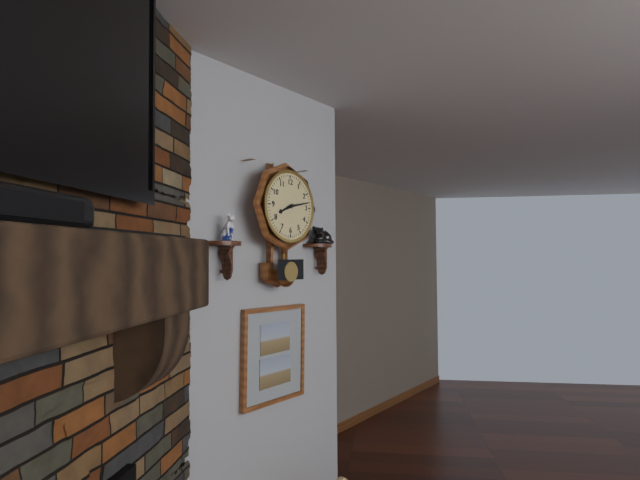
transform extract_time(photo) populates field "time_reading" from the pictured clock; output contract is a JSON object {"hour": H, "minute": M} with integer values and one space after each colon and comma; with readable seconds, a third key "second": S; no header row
{"hour": 8, "minute": 13}
